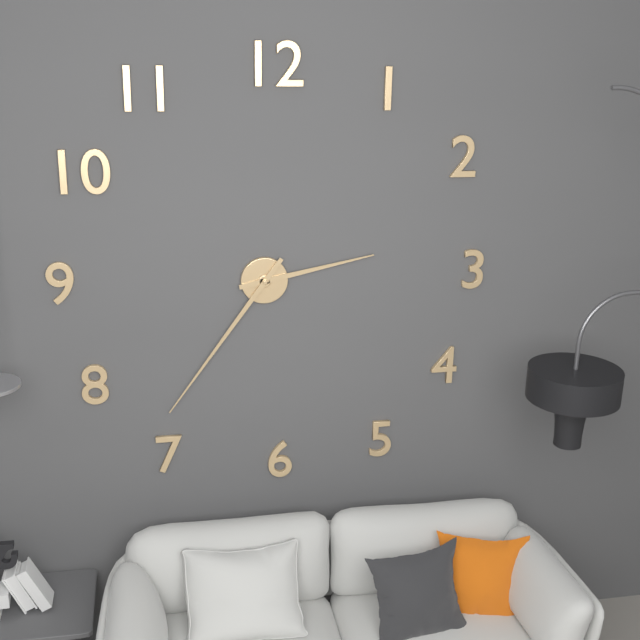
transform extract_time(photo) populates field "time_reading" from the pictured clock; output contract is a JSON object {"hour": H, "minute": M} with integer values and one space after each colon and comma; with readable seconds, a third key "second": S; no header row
{"hour": 2, "minute": 36}
